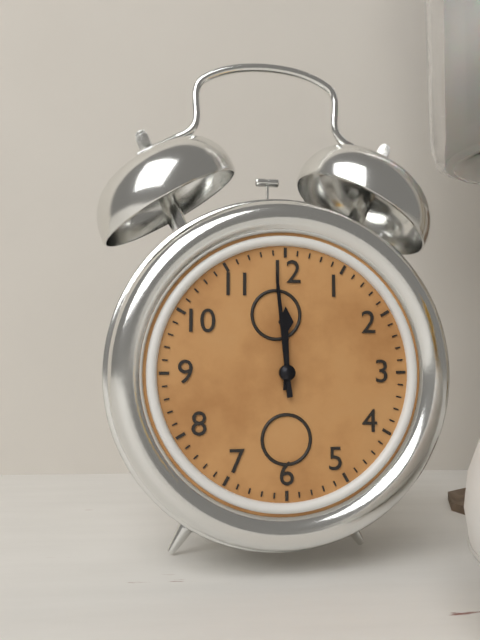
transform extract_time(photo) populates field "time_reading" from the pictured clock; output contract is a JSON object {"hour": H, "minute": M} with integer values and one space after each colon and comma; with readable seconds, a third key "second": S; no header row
{"hour": 11, "minute": 59}
